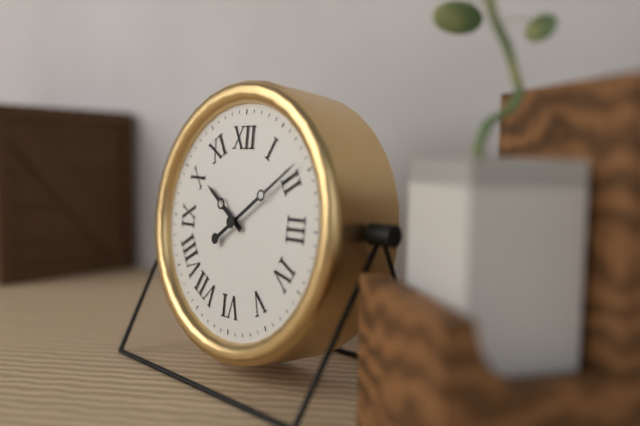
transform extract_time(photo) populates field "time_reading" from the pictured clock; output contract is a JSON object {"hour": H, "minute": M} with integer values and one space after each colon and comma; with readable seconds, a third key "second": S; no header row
{"hour": 10, "minute": 9}
